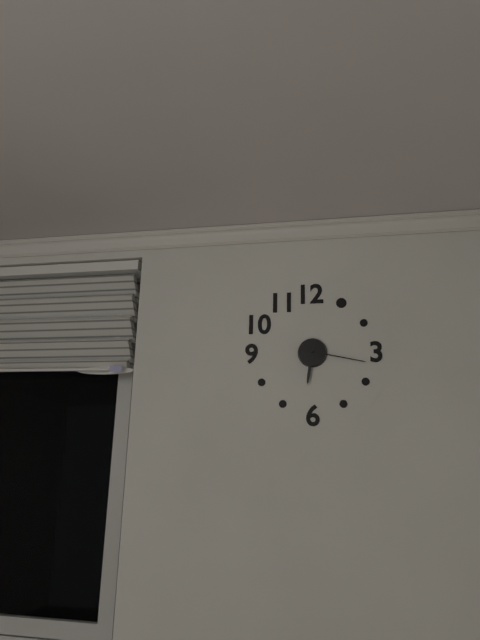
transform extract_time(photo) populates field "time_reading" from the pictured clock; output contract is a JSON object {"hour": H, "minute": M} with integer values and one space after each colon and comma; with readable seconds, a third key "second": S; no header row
{"hour": 6, "minute": 17}
